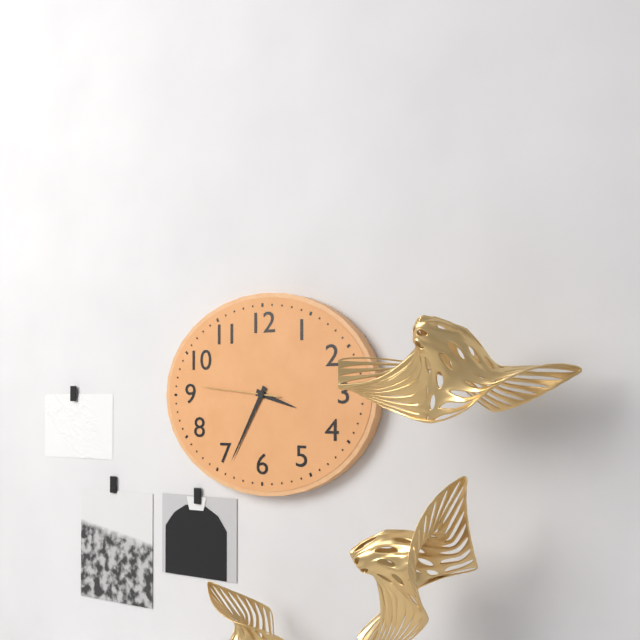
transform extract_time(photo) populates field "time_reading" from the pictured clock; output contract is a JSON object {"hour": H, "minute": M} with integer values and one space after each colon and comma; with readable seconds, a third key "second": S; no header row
{"hour": 3, "minute": 35, "second": 46}
